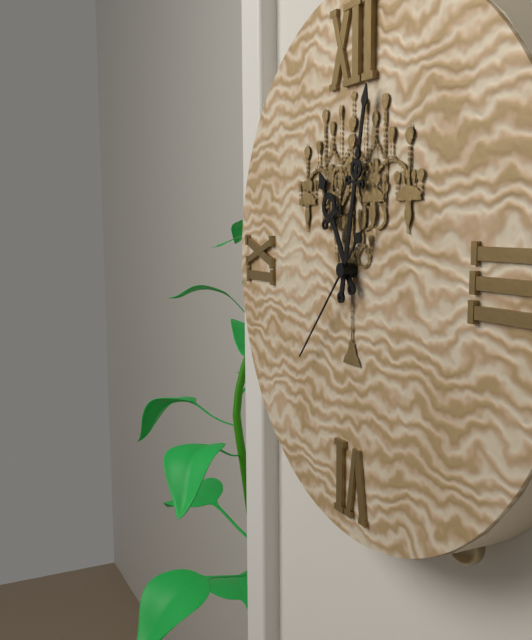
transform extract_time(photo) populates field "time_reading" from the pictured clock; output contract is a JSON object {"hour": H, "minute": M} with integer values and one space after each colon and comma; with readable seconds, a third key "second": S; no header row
{"hour": 11, "minute": 2, "second": 37}
